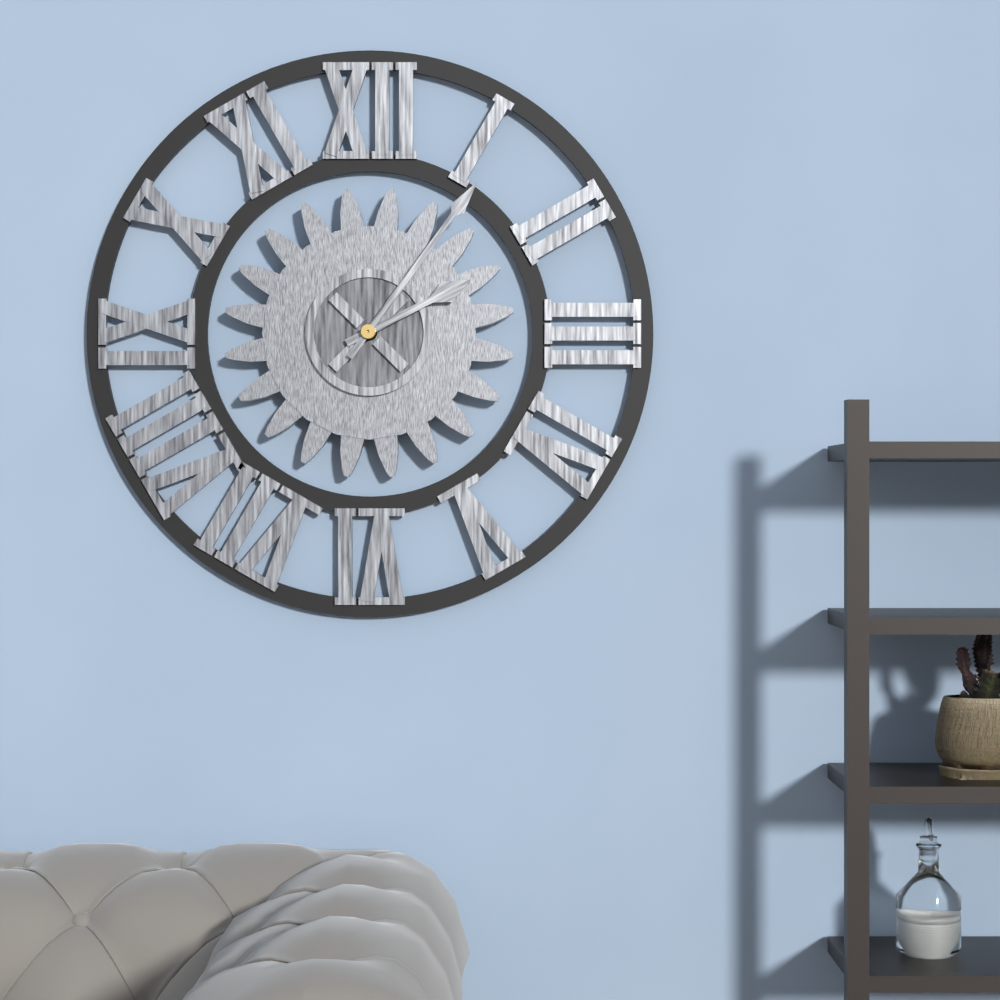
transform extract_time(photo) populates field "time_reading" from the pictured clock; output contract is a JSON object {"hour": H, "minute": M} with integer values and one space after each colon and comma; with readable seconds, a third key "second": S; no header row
{"hour": 2, "minute": 6}
